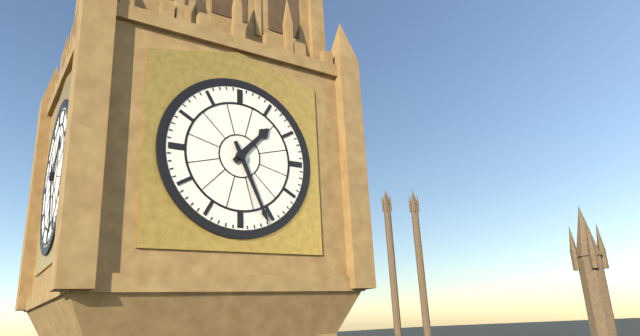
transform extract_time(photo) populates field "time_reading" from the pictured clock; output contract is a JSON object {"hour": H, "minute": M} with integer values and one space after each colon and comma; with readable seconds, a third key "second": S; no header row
{"hour": 1, "minute": 26}
